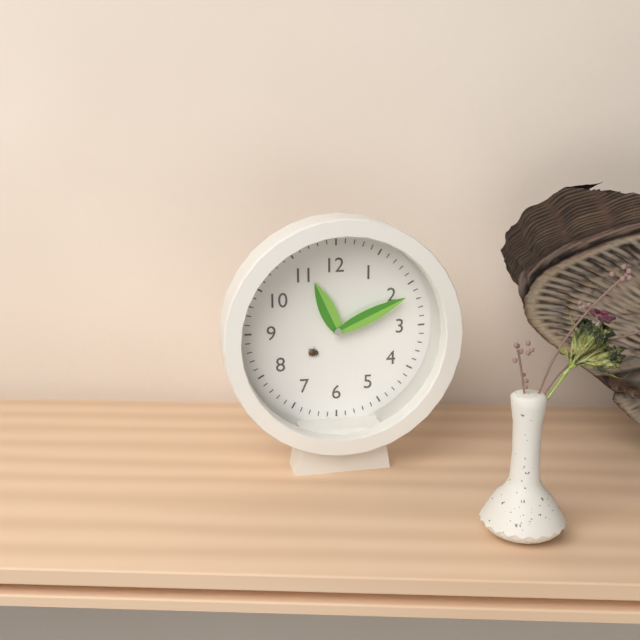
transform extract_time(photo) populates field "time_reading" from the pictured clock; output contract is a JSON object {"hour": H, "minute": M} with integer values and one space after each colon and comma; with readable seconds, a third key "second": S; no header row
{"hour": 11, "minute": 11}
